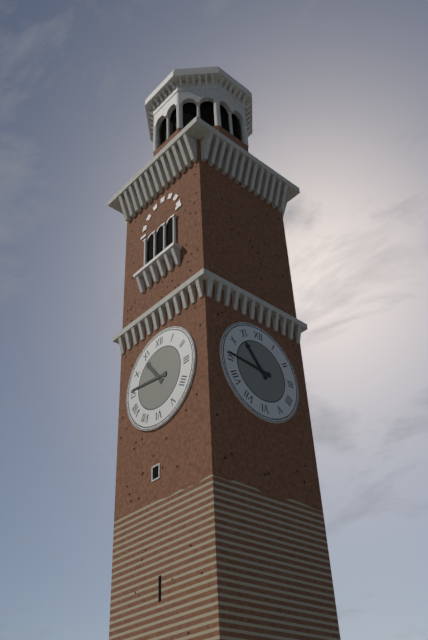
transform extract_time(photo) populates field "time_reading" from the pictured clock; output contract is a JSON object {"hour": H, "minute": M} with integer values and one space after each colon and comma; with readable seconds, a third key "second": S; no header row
{"hour": 10, "minute": 46}
